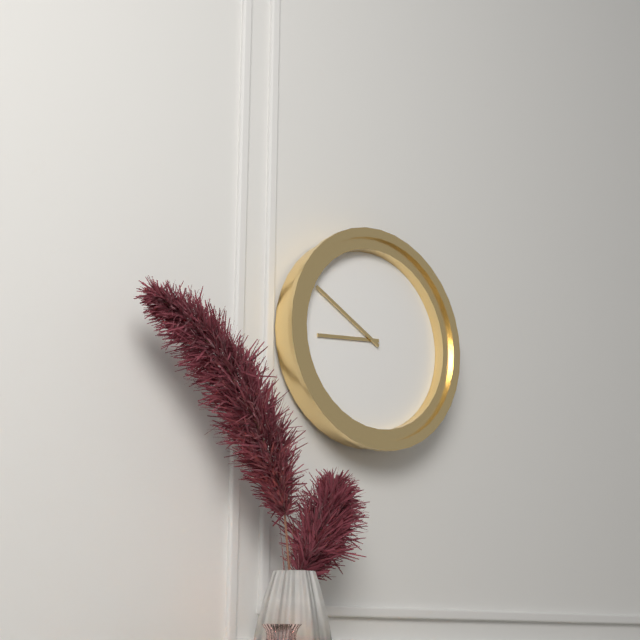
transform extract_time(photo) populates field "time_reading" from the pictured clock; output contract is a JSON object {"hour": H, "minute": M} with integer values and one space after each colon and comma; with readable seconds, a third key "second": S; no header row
{"hour": 8, "minute": 50}
